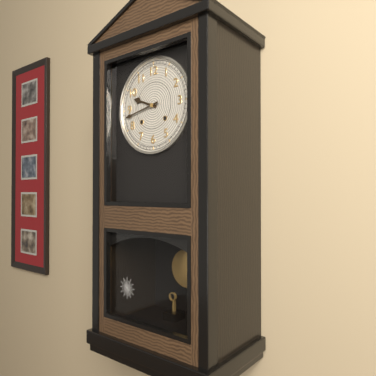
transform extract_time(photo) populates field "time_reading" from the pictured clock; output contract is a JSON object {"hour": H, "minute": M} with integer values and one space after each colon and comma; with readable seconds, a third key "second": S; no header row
{"hour": 9, "minute": 43}
